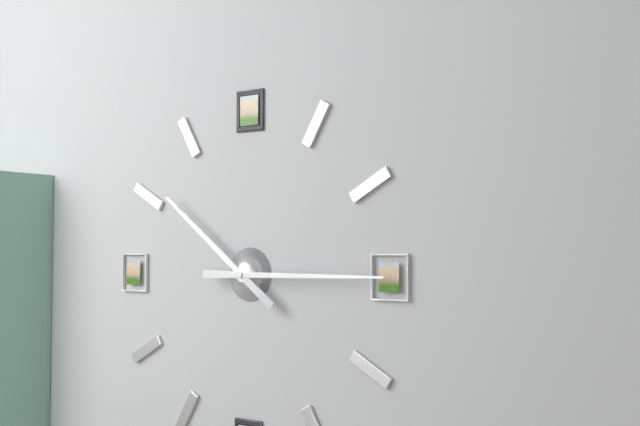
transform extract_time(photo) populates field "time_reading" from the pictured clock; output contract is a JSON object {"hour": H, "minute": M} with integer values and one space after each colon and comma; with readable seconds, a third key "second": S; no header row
{"hour": 10, "minute": 15}
